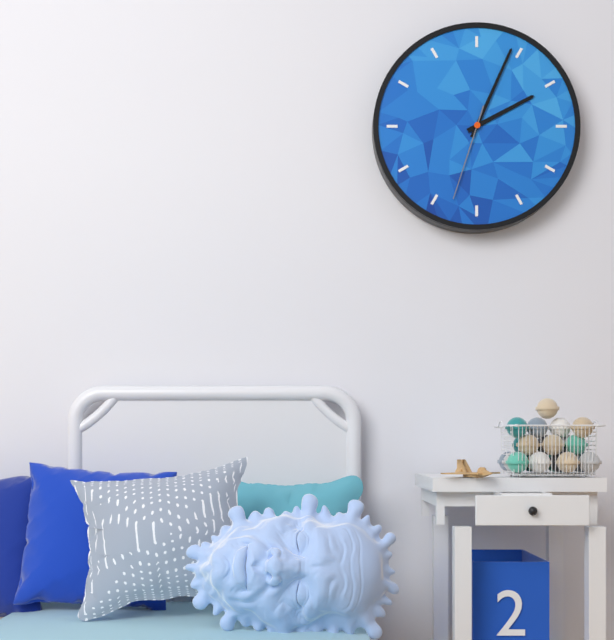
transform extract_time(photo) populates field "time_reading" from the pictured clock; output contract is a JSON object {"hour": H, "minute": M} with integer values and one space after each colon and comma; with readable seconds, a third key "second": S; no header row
{"hour": 2, "minute": 4, "second": 33}
